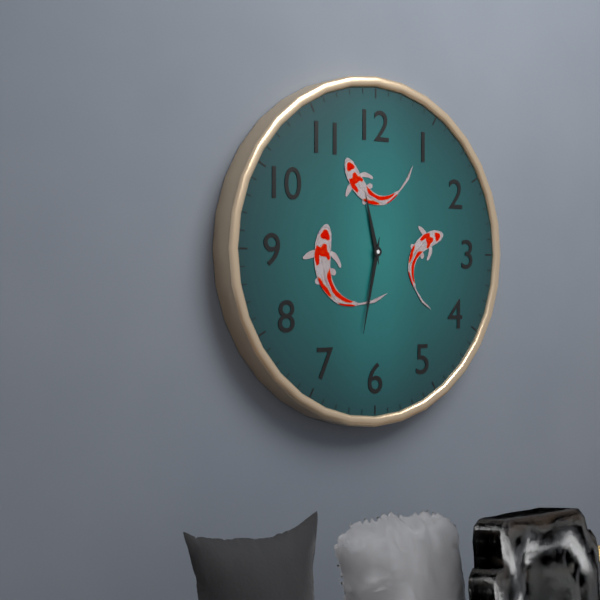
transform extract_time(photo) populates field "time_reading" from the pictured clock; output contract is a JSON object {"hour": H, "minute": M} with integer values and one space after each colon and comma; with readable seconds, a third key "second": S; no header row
{"hour": 11, "minute": 32}
